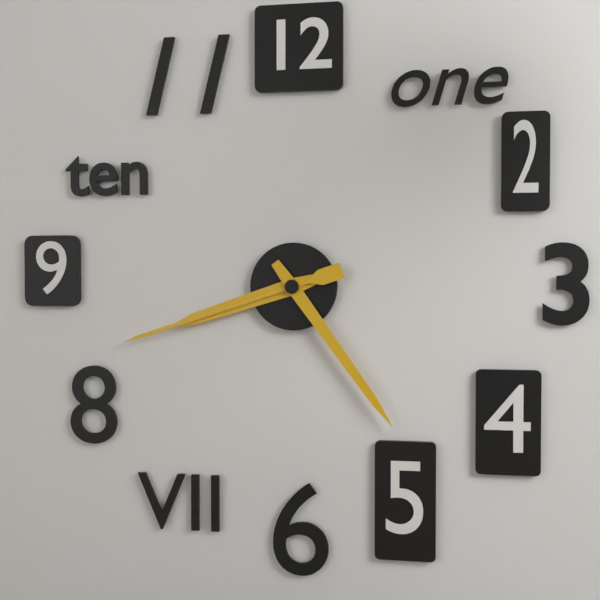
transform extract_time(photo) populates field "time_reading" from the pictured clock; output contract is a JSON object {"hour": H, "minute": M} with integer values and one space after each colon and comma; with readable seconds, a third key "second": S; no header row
{"hour": 8, "minute": 24, "second": 42}
